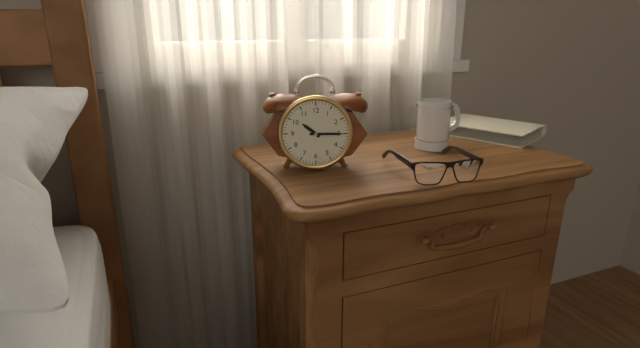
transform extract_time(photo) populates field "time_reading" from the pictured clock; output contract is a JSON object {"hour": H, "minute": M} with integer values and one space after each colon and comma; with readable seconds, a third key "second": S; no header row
{"hour": 10, "minute": 15}
